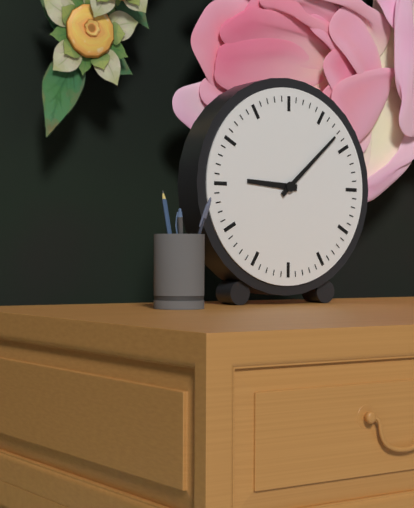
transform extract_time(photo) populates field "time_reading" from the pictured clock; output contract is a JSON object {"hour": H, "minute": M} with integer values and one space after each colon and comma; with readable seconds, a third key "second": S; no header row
{"hour": 9, "minute": 8}
